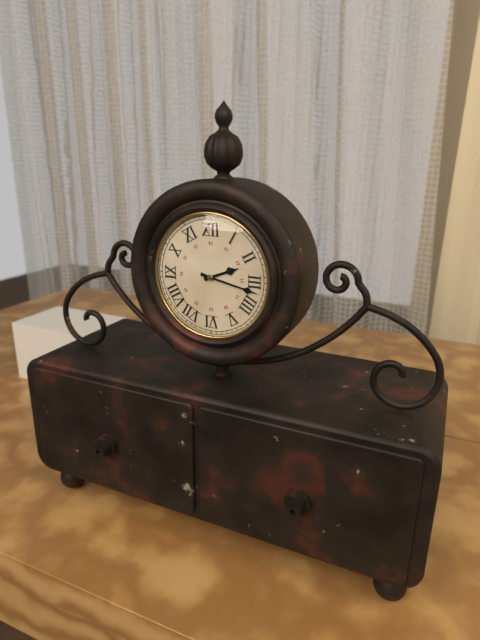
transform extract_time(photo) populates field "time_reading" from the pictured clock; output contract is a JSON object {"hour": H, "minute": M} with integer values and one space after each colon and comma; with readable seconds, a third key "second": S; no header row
{"hour": 2, "minute": 17}
